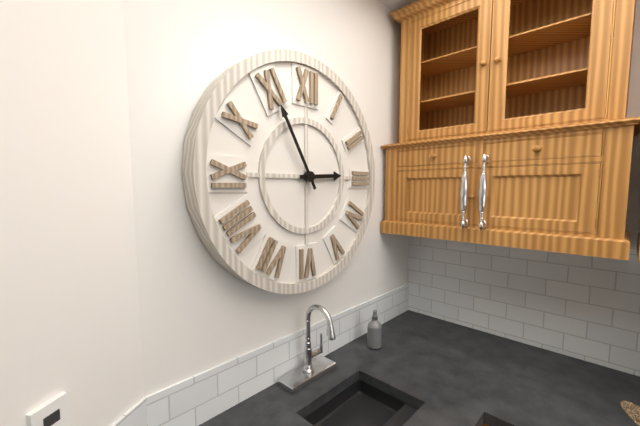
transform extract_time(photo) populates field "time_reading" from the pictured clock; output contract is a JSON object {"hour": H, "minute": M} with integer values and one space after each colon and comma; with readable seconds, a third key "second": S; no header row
{"hour": 2, "minute": 55}
